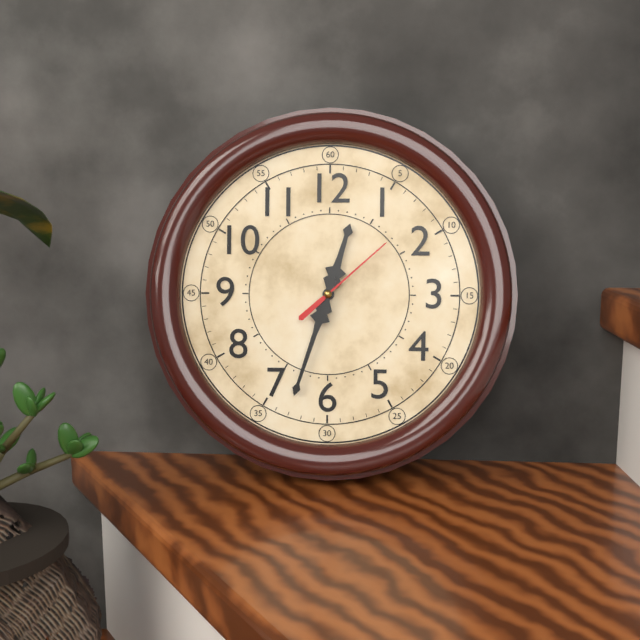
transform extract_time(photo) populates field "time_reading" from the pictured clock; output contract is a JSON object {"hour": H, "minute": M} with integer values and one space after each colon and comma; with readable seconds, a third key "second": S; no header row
{"hour": 12, "minute": 33, "second": 8}
